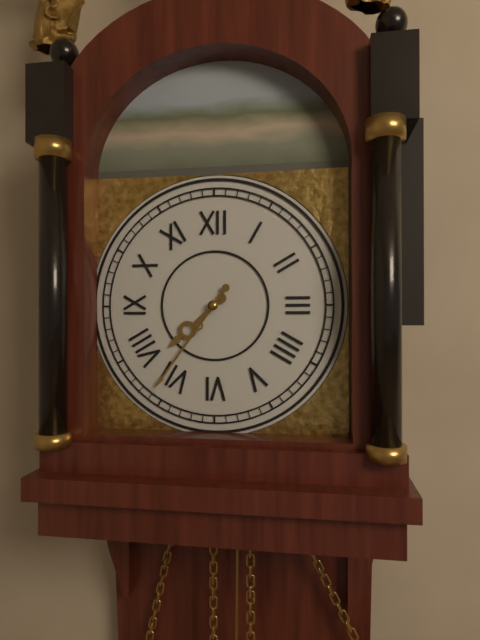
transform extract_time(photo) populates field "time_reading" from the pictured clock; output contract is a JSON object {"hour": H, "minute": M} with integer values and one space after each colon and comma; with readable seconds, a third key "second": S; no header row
{"hour": 7, "minute": 36}
